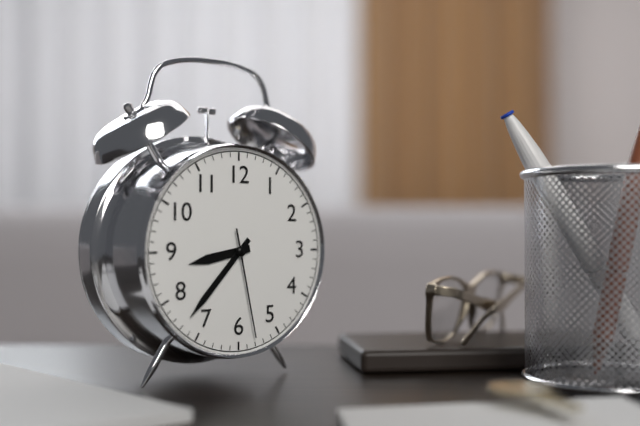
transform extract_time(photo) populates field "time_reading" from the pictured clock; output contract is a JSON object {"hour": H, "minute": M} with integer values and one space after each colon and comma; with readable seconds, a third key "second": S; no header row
{"hour": 8, "minute": 37, "second": 28}
